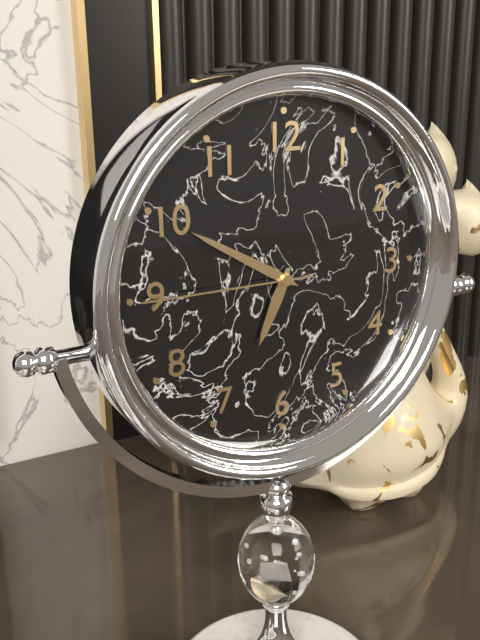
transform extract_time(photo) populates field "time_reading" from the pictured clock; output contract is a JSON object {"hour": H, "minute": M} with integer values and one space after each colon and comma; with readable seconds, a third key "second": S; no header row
{"hour": 6, "minute": 50, "second": 45}
